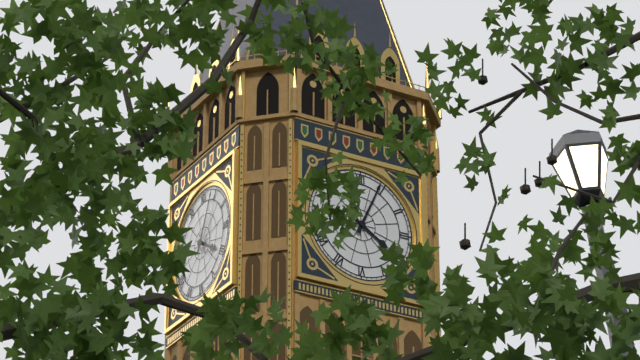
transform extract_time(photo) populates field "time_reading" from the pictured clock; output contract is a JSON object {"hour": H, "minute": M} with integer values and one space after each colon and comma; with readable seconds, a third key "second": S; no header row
{"hour": 4, "minute": 4}
